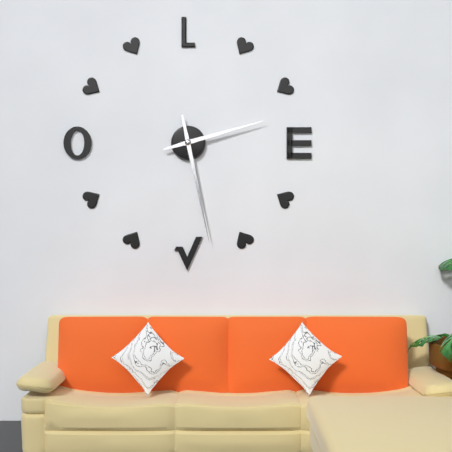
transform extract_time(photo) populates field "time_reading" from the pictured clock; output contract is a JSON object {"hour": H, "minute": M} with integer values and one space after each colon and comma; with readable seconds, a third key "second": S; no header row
{"hour": 2, "minute": 28}
